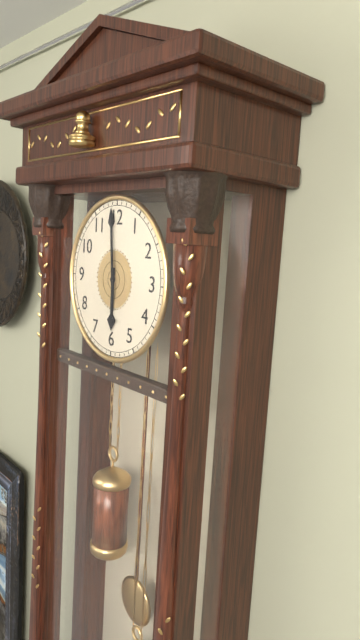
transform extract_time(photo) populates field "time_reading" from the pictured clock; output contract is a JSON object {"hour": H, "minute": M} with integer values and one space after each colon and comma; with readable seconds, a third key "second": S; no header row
{"hour": 5, "minute": 59}
